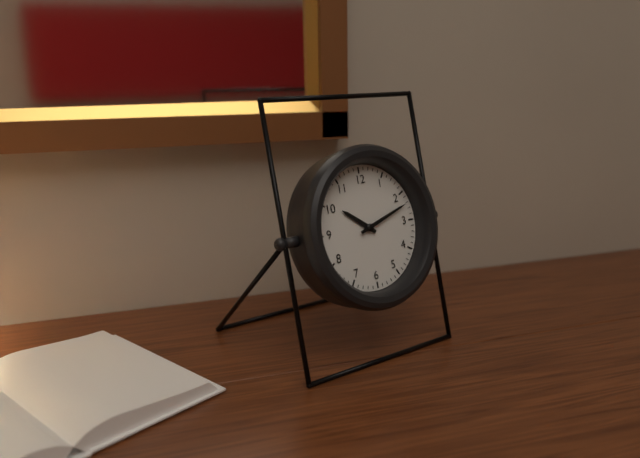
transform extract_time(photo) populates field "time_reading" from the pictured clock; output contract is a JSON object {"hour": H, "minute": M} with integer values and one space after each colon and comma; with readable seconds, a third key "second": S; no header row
{"hour": 10, "minute": 12}
